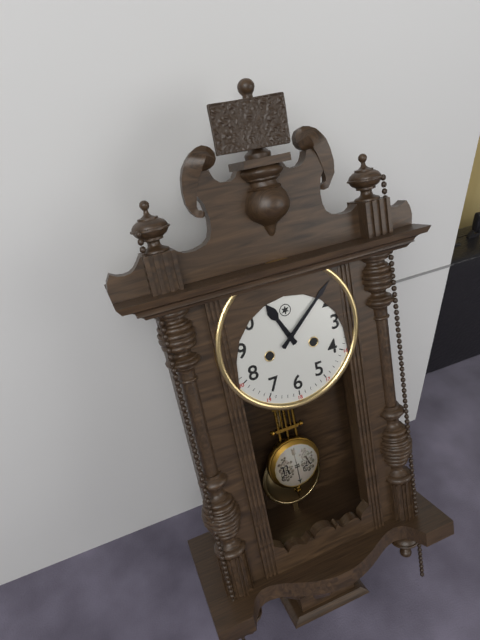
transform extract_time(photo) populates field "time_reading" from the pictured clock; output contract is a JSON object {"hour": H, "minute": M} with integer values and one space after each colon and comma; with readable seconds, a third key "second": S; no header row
{"hour": 11, "minute": 8}
